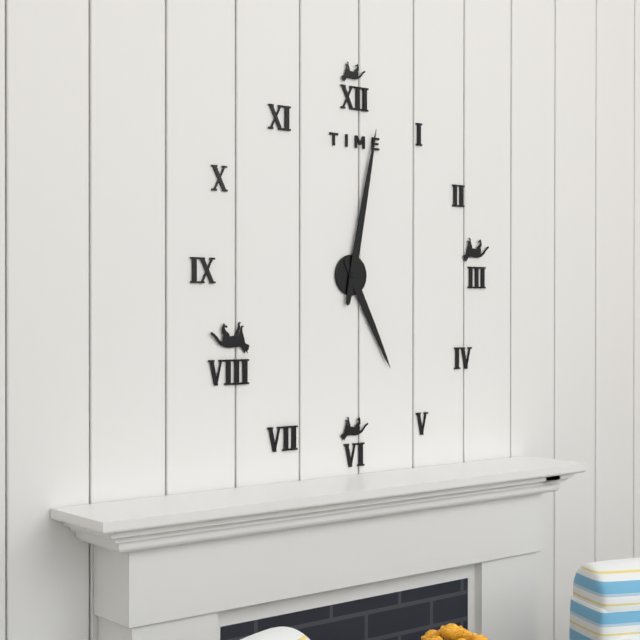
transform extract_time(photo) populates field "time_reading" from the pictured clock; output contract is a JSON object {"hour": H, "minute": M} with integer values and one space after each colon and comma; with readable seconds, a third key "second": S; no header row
{"hour": 5, "minute": 2}
